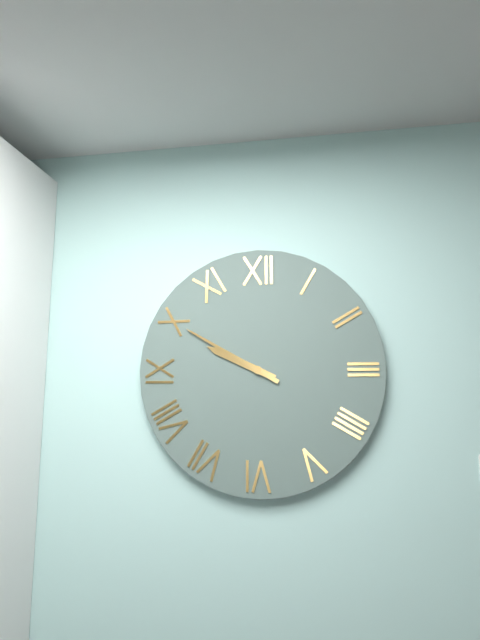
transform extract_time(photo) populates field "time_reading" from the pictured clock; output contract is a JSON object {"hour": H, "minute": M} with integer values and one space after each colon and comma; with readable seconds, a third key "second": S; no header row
{"hour": 9, "minute": 50}
